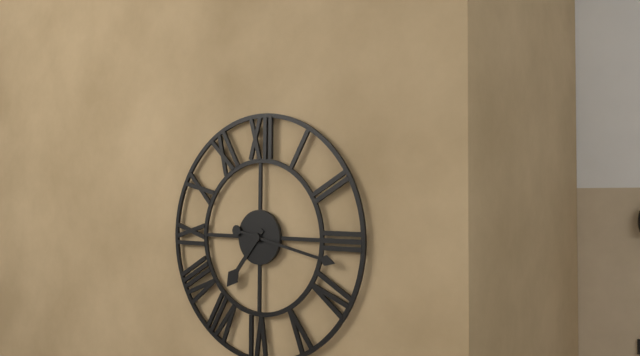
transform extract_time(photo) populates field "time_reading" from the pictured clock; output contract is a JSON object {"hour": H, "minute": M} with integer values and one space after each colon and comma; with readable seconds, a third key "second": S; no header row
{"hour": 7, "minute": 17}
